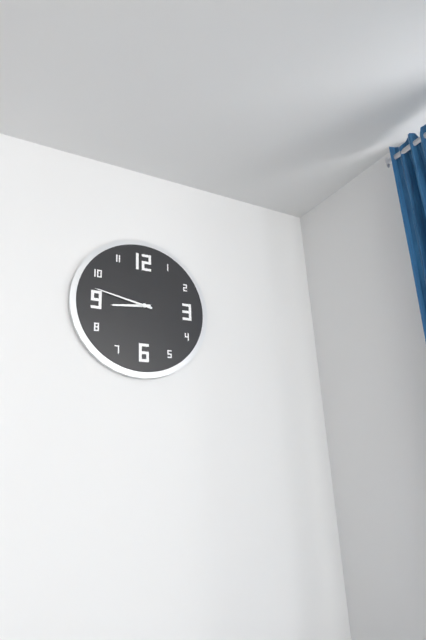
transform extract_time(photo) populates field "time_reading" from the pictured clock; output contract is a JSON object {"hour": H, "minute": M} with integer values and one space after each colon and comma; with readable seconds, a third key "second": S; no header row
{"hour": 8, "minute": 47}
